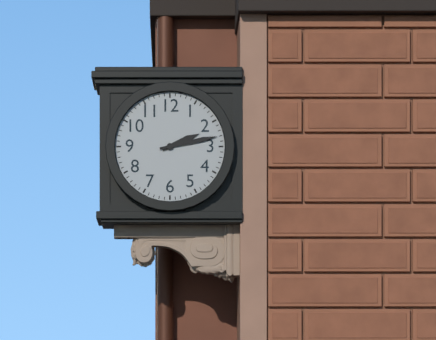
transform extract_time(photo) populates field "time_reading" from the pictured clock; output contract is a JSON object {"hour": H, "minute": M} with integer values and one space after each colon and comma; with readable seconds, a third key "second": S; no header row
{"hour": 2, "minute": 13}
